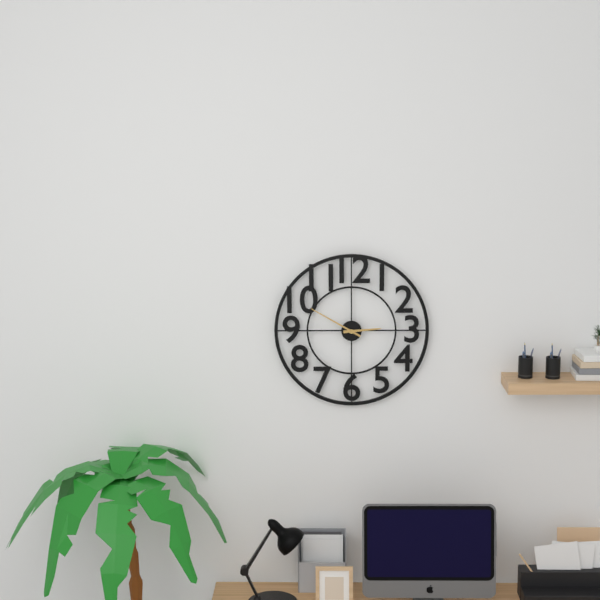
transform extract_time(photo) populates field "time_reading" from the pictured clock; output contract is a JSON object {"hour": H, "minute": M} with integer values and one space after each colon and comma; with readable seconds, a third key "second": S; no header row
{"hour": 2, "minute": 50}
